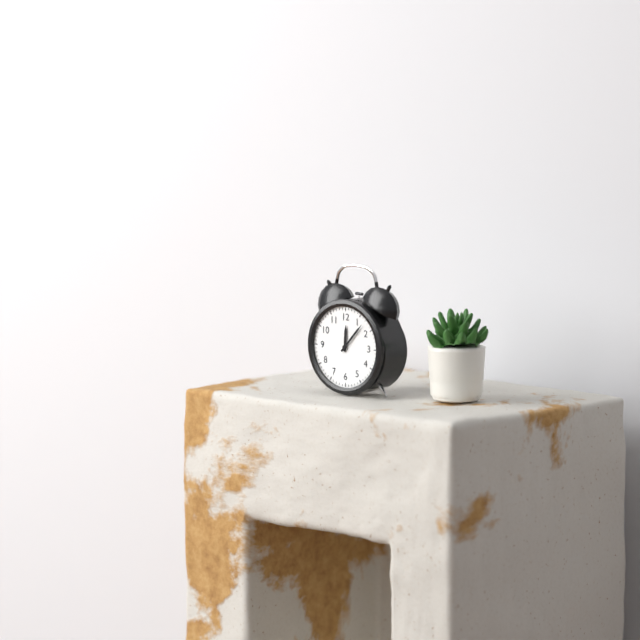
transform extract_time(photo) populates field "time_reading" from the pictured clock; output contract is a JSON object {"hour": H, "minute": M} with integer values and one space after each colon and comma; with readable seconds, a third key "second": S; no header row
{"hour": 12, "minute": 7}
